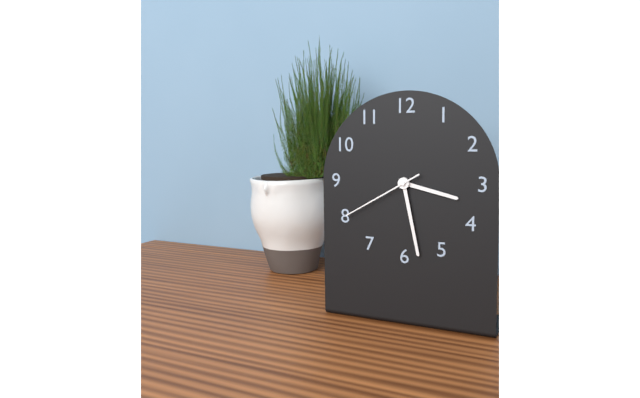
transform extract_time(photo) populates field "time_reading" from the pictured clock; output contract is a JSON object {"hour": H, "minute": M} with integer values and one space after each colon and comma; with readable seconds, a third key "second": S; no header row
{"hour": 3, "minute": 28, "second": 40}
